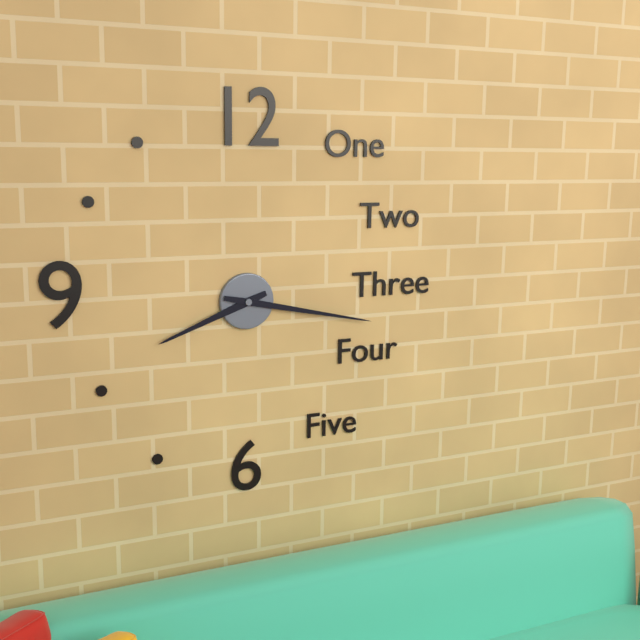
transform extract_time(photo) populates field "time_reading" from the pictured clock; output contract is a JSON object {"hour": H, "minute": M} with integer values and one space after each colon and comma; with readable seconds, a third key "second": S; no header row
{"hour": 8, "minute": 17}
